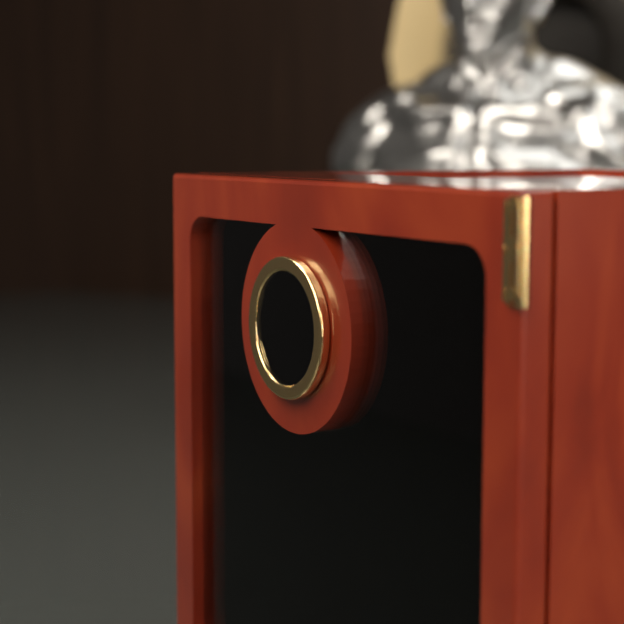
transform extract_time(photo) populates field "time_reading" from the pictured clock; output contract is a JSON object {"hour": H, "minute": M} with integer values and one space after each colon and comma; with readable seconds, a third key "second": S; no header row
{"hour": 12, "minute": 20}
